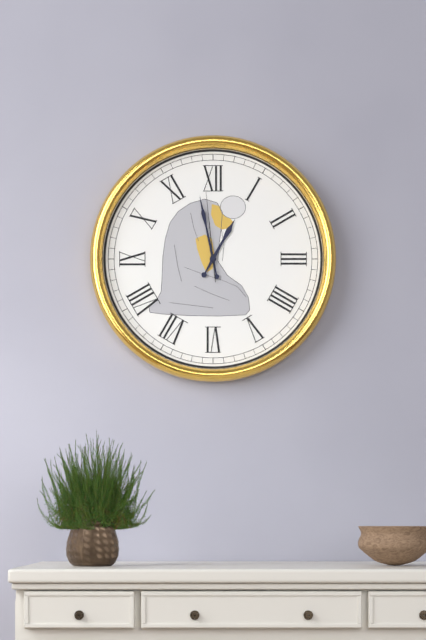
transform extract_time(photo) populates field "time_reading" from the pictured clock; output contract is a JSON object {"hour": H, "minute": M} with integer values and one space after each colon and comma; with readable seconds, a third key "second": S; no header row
{"hour": 12, "minute": 58, "second": 59}
